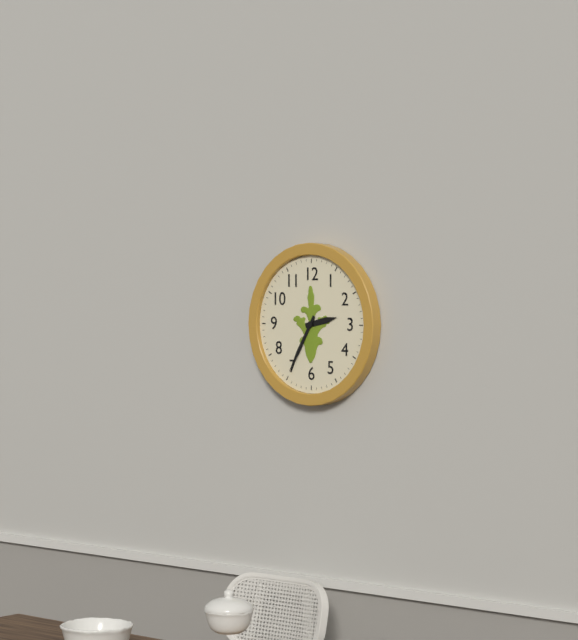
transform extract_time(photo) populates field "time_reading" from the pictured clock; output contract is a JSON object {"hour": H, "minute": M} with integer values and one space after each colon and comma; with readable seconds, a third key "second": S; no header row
{"hour": 2, "minute": 35}
